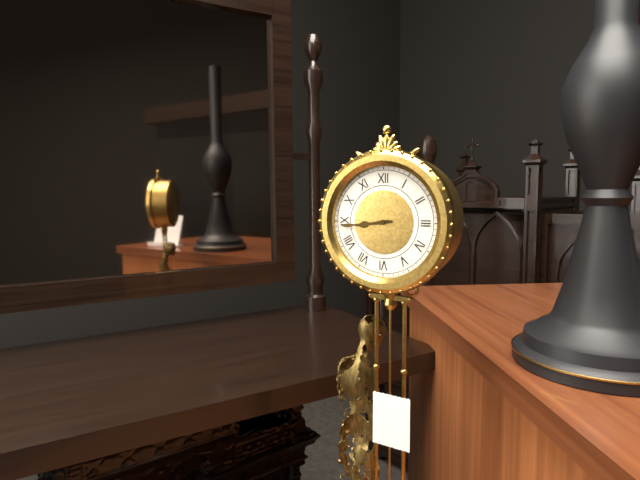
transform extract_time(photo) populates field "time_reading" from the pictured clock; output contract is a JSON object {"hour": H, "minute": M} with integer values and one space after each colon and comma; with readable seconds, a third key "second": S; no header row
{"hour": 8, "minute": 44}
